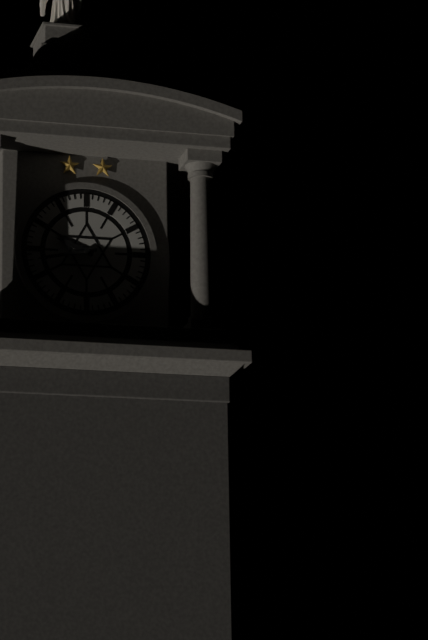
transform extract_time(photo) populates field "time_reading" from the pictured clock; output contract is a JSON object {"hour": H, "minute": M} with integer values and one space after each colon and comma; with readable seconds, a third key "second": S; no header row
{"hour": 9, "minute": 43}
